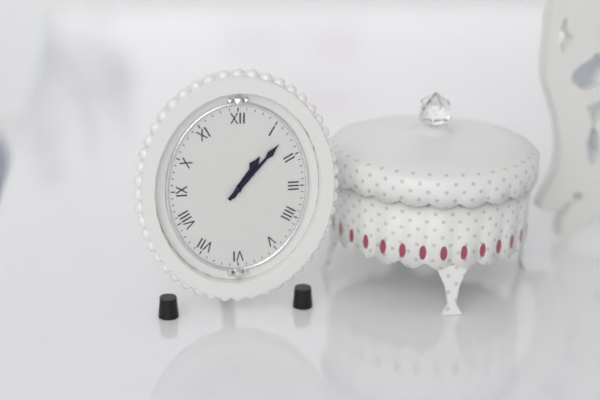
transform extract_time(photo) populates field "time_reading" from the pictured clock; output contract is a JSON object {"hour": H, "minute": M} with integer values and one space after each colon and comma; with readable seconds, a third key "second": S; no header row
{"hour": 1, "minute": 7}
